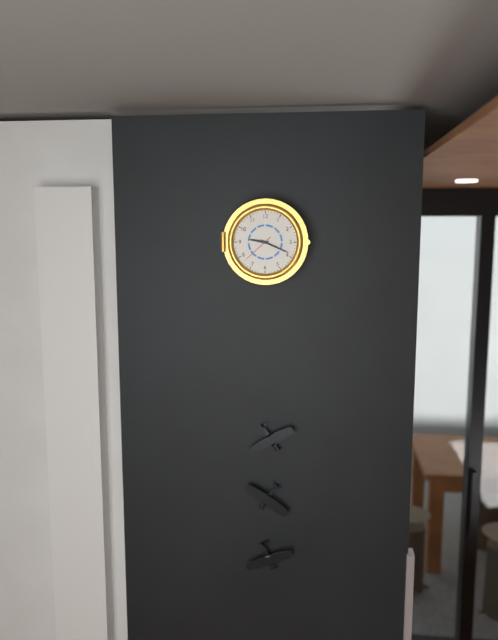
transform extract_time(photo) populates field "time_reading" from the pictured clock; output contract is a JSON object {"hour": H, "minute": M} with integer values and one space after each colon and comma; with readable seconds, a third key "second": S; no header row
{"hour": 9, "minute": 19}
